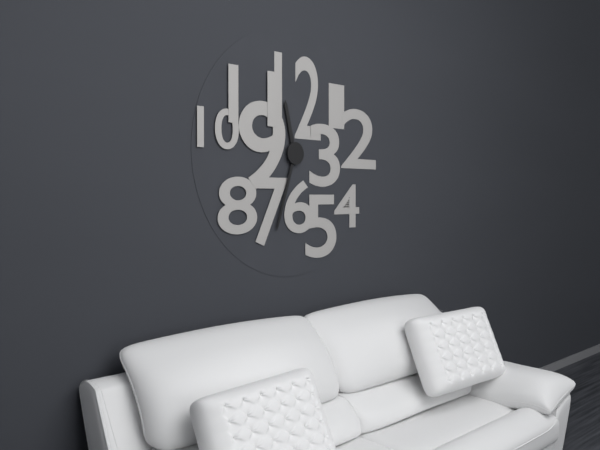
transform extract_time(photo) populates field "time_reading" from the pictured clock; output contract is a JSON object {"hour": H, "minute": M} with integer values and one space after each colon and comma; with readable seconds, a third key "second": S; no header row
{"hour": 11, "minute": 33}
